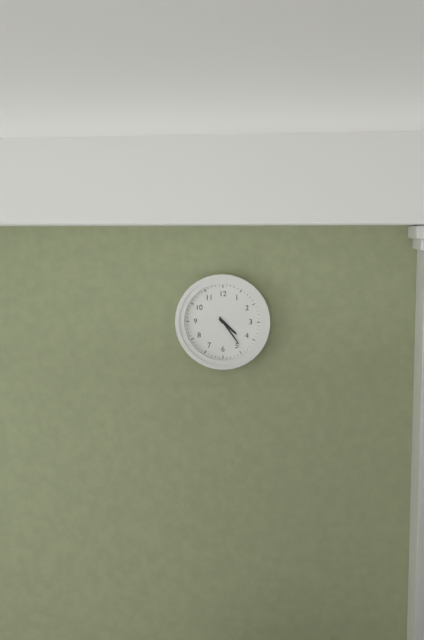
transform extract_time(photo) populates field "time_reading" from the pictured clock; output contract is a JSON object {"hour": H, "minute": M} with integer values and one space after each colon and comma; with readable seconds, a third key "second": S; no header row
{"hour": 4, "minute": 24}
